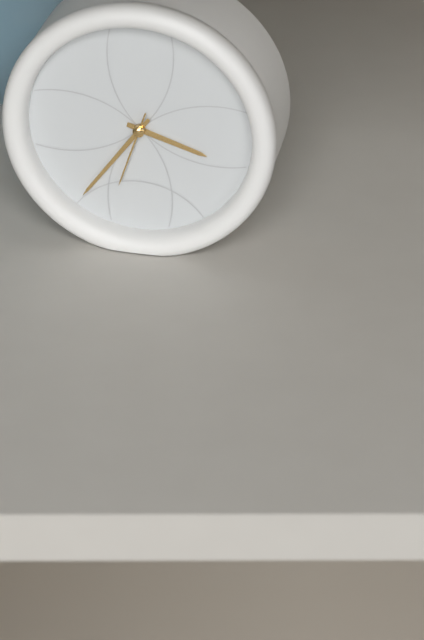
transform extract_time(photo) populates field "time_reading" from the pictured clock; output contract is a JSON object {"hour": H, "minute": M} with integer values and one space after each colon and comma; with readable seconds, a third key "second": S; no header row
{"hour": 3, "minute": 36, "second": 33}
